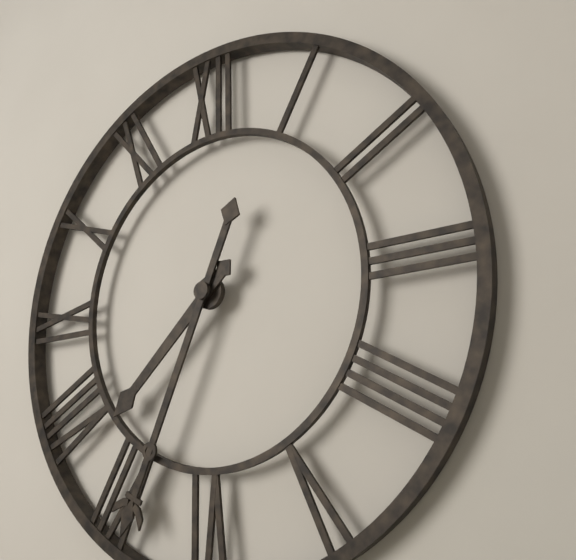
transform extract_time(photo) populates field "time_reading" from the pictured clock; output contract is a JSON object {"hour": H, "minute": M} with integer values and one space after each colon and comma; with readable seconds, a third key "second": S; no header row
{"hour": 7, "minute": 34}
